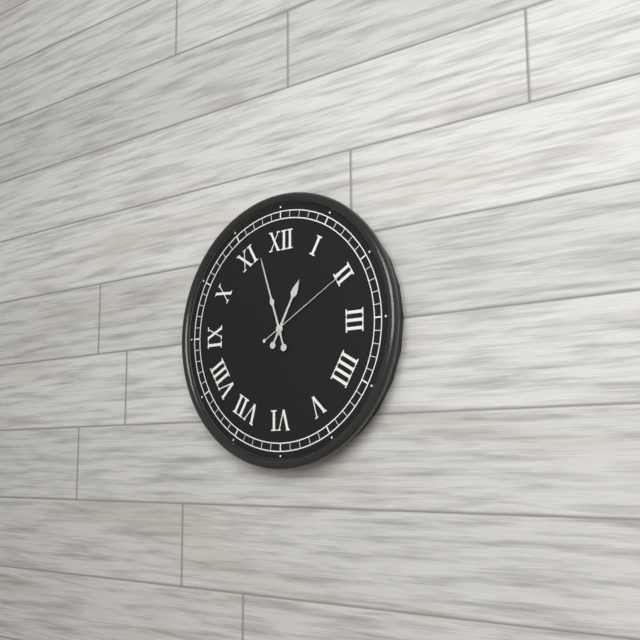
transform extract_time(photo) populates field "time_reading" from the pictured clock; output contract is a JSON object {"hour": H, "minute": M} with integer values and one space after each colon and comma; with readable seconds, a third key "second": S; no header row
{"hour": 12, "minute": 57, "second": 10}
